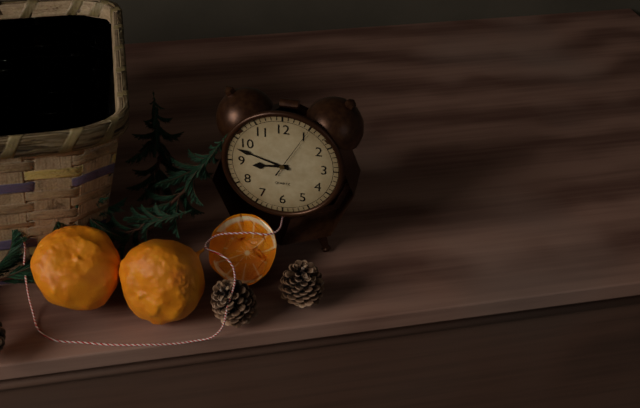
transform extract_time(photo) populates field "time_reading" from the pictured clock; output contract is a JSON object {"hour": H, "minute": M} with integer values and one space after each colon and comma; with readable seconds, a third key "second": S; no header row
{"hour": 8, "minute": 48, "second": 5}
